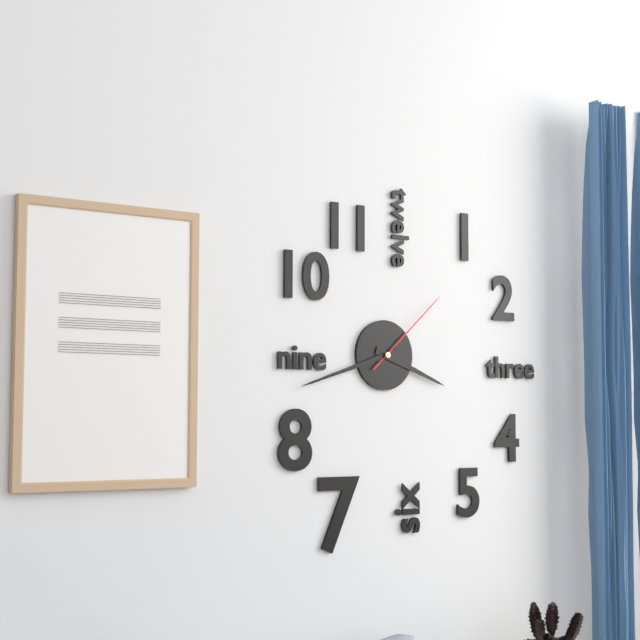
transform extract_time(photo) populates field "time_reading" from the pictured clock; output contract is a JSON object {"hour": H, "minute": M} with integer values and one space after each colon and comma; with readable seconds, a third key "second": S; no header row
{"hour": 3, "minute": 42, "second": 8}
